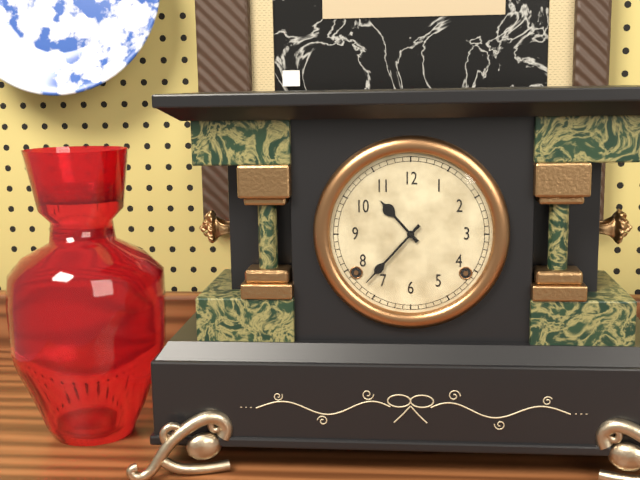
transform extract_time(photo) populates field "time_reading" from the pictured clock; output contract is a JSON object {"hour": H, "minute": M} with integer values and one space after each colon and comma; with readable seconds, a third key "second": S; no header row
{"hour": 10, "minute": 37}
